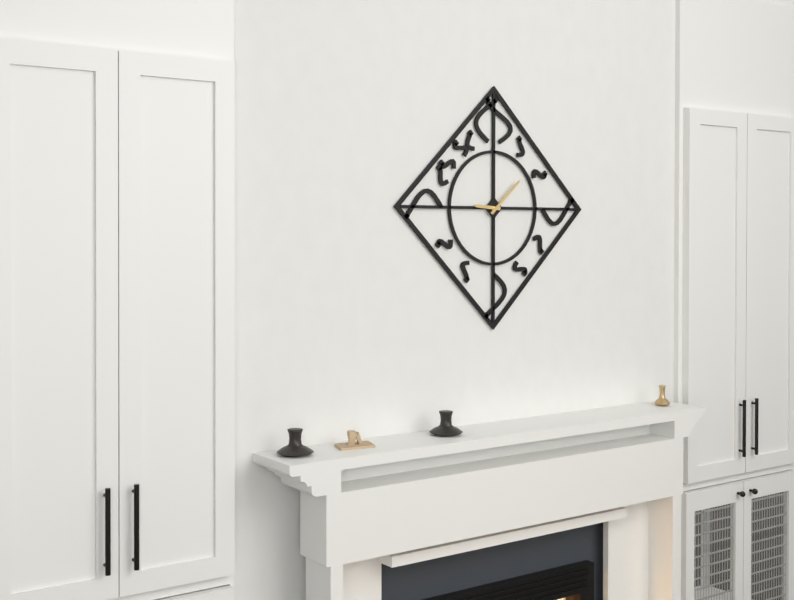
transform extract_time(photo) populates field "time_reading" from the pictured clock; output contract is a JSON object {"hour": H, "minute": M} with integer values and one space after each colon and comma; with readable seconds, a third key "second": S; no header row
{"hour": 9, "minute": 8}
